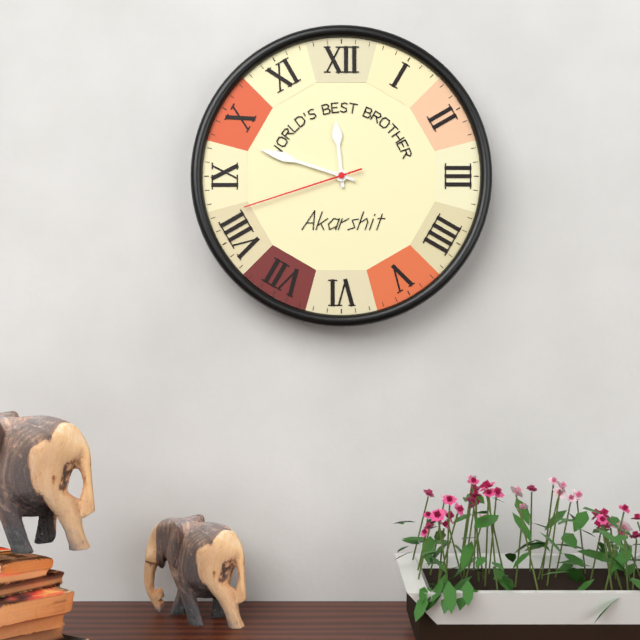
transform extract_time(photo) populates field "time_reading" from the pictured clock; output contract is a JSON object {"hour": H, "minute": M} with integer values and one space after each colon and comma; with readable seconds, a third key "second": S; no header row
{"hour": 11, "minute": 48, "second": 42}
